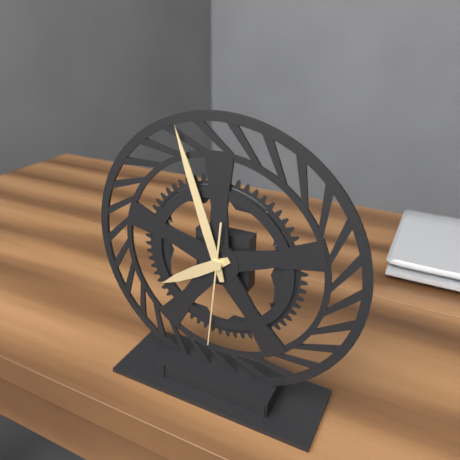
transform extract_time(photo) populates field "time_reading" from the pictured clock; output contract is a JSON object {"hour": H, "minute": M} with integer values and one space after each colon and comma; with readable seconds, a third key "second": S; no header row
{"hour": 7, "minute": 57, "second": 31}
